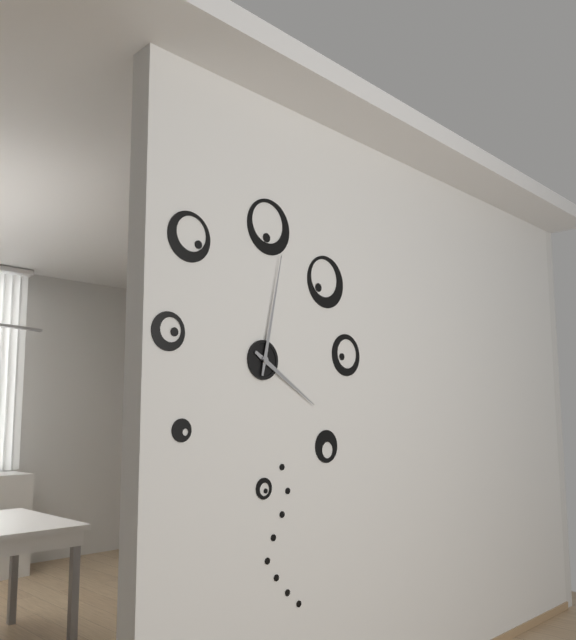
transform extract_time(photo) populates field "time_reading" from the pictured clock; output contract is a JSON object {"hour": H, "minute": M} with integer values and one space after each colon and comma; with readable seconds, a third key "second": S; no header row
{"hour": 4, "minute": 2}
